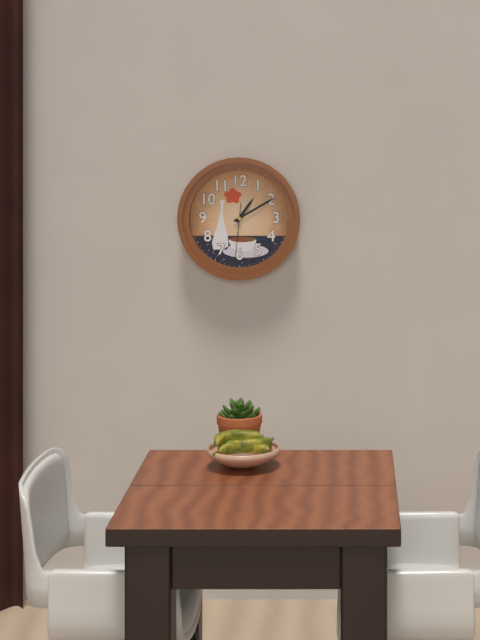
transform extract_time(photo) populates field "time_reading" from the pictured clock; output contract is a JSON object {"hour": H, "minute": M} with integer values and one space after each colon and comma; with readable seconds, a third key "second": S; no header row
{"hour": 1, "minute": 10, "second": 31}
